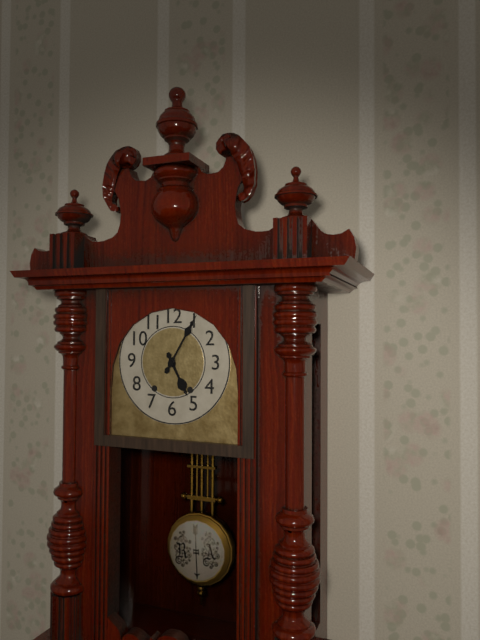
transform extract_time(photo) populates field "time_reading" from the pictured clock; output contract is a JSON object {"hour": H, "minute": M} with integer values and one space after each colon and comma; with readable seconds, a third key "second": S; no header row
{"hour": 5, "minute": 5}
